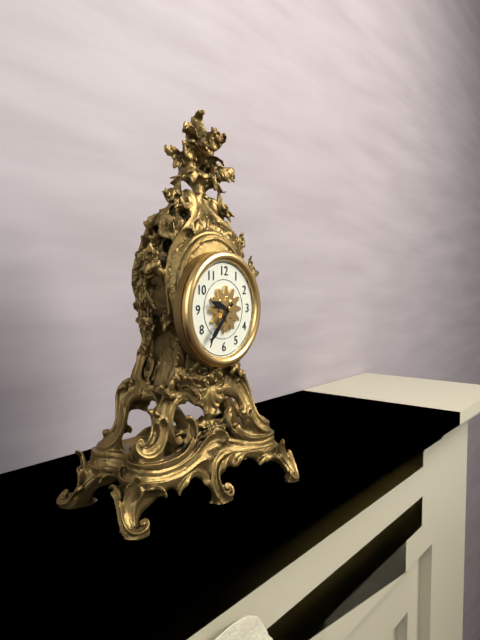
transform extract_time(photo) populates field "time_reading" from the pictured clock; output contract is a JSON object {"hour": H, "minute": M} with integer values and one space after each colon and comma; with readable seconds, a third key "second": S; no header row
{"hour": 9, "minute": 37}
